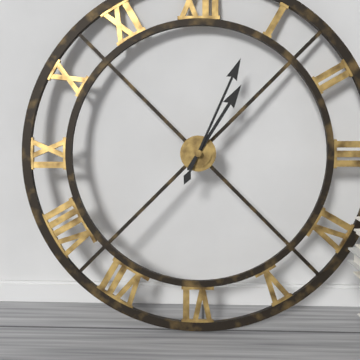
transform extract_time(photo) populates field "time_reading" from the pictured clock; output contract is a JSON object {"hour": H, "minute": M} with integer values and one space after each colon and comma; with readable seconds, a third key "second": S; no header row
{"hour": 1, "minute": 4}
